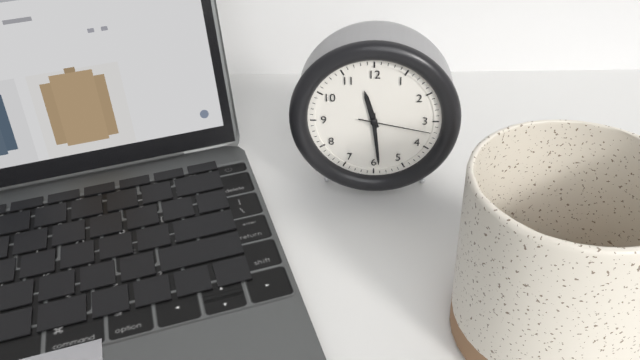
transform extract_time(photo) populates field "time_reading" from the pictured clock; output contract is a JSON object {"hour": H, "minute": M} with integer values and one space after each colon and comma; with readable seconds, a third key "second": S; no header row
{"hour": 11, "minute": 29, "second": 17}
